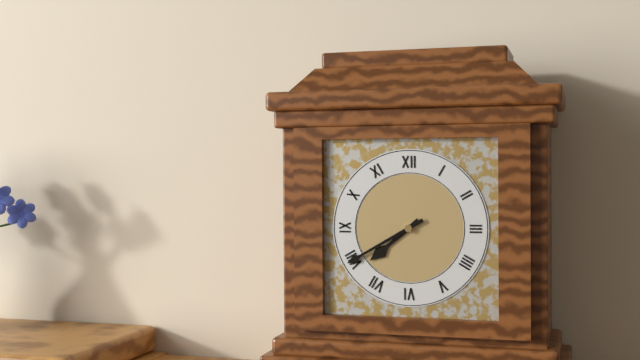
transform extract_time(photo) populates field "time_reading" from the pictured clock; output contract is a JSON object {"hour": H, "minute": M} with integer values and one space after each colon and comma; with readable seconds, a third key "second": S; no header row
{"hour": 7, "minute": 40}
